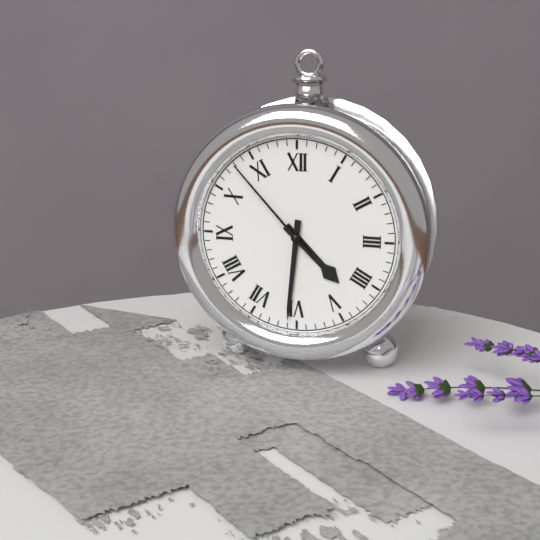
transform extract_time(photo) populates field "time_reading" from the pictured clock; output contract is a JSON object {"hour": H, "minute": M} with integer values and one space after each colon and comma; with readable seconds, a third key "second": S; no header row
{"hour": 4, "minute": 31, "second": 53}
